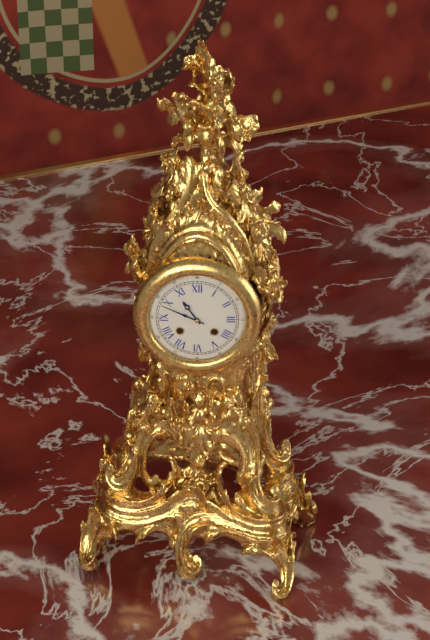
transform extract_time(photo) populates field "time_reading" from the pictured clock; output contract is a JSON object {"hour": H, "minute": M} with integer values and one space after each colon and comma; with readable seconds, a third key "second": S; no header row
{"hour": 10, "minute": 49}
